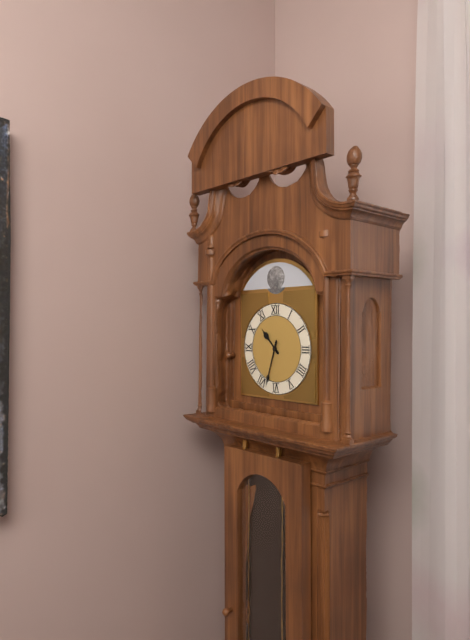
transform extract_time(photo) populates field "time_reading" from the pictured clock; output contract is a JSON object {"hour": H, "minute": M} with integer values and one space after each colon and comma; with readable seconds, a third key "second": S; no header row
{"hour": 10, "minute": 33}
